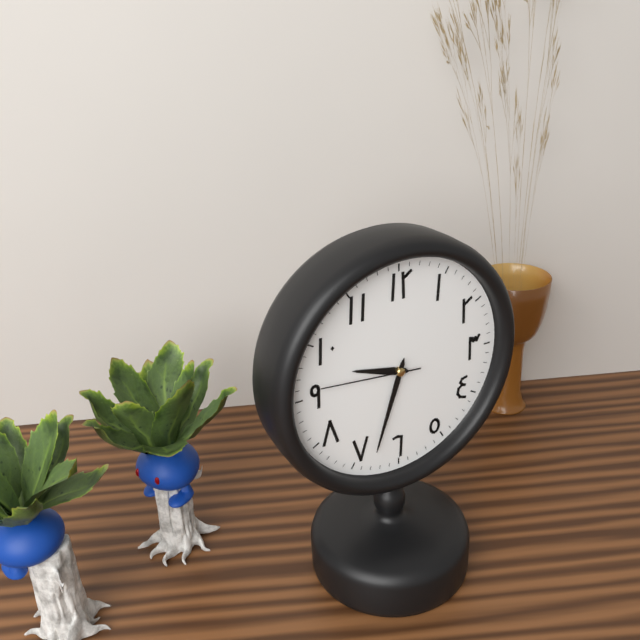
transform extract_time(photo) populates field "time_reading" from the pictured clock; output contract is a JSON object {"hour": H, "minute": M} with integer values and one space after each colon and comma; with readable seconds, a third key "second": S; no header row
{"hour": 9, "minute": 33, "second": 46}
